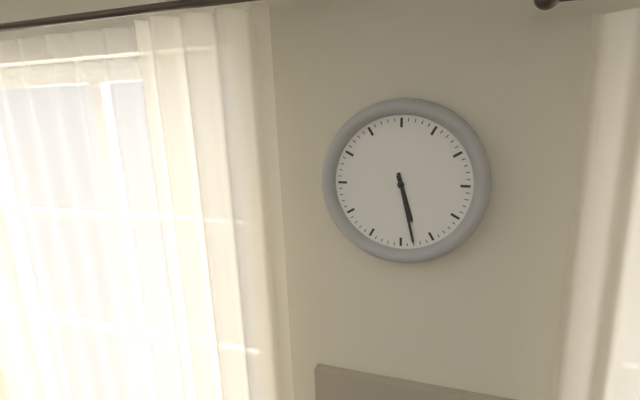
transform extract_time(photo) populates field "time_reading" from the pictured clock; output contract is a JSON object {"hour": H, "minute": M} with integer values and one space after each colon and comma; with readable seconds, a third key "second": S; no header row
{"hour": 5, "minute": 28}
